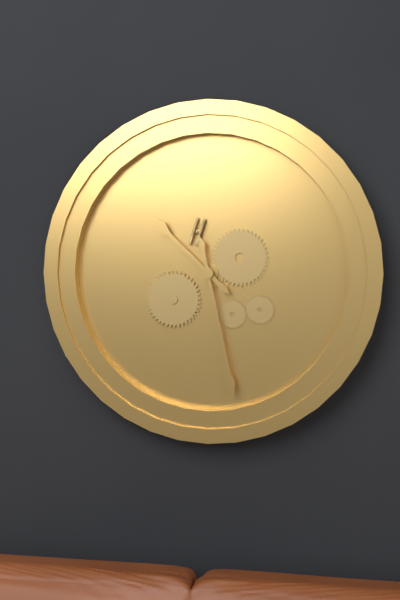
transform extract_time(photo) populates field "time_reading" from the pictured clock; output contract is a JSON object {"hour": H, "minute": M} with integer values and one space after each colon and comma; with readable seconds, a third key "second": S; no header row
{"hour": 10, "minute": 28}
